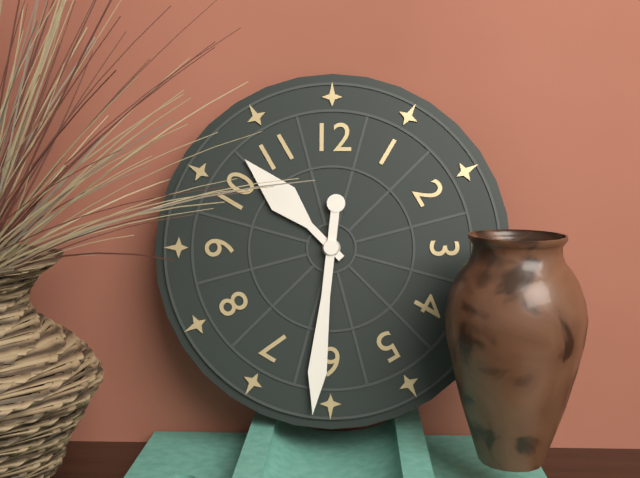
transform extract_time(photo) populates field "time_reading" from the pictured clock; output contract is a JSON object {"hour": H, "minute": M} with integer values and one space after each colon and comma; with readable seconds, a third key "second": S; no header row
{"hour": 10, "minute": 31}
